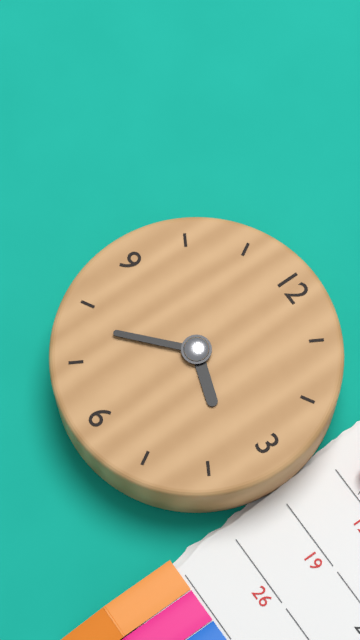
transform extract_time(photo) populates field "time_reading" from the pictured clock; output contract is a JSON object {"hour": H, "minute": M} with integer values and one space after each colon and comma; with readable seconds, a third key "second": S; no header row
{"hour": 3, "minute": 38}
